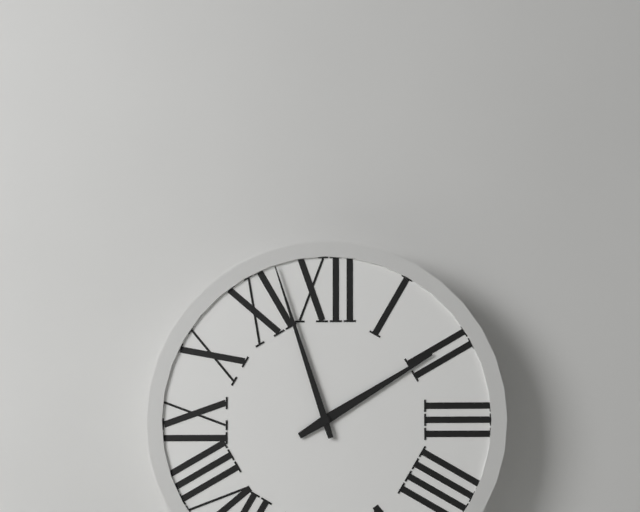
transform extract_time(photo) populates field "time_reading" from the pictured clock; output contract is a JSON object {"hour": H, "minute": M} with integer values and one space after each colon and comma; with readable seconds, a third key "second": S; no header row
{"hour": 1, "minute": 57}
